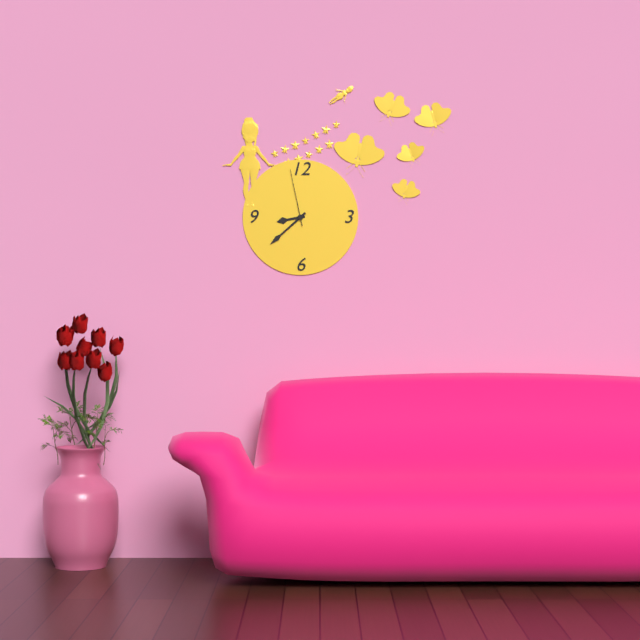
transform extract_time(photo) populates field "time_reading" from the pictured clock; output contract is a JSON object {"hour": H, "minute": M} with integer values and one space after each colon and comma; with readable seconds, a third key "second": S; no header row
{"hour": 8, "minute": 38, "second": 58}
